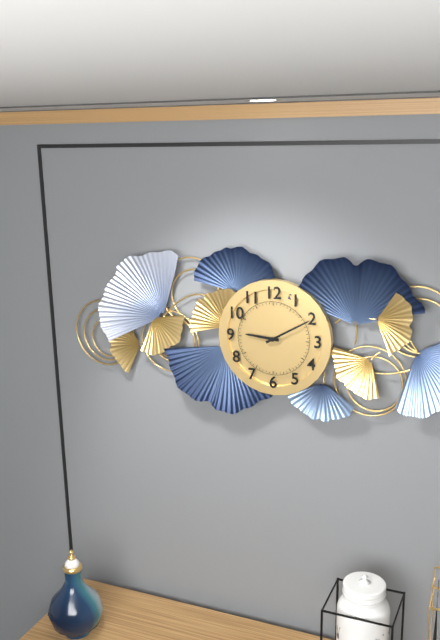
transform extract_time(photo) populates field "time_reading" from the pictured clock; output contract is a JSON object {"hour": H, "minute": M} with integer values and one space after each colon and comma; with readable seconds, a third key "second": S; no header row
{"hour": 9, "minute": 10}
